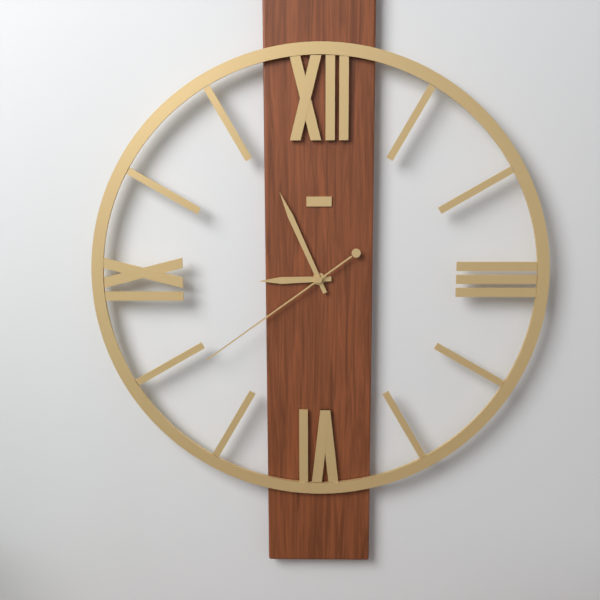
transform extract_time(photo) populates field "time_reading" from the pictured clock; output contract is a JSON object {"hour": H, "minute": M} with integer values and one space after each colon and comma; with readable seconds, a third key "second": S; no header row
{"hour": 8, "minute": 56, "second": 39}
